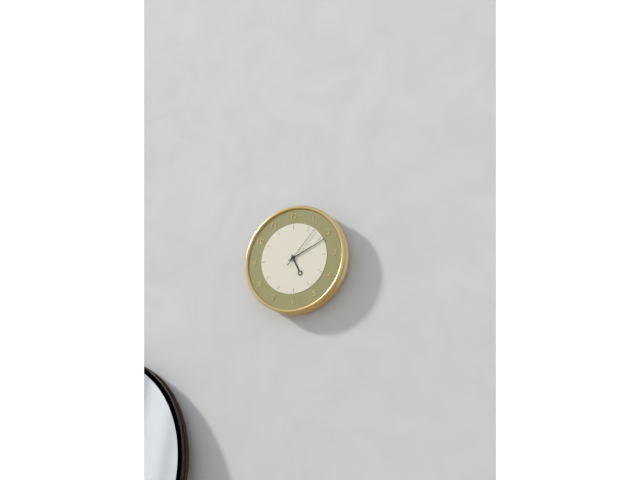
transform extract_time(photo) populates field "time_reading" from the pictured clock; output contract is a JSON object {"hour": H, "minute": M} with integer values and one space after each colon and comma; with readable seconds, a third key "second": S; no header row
{"hour": 5, "minute": 11}
